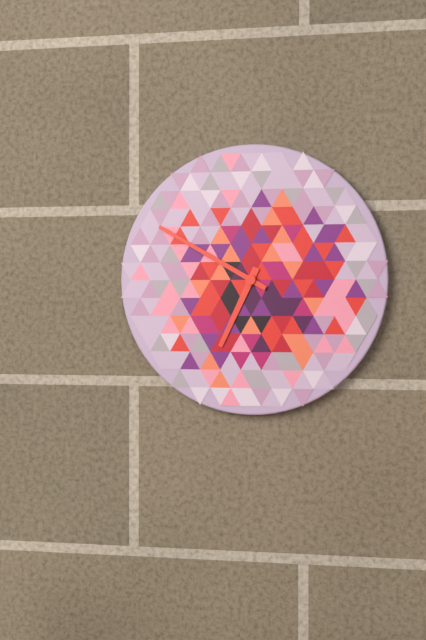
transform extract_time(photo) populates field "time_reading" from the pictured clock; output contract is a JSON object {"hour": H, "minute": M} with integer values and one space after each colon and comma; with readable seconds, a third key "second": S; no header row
{"hour": 6, "minute": 50}
